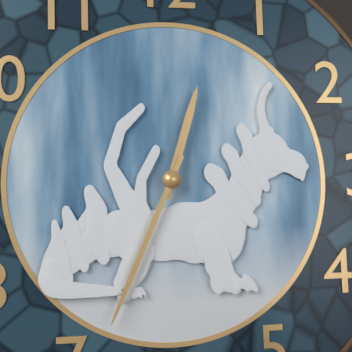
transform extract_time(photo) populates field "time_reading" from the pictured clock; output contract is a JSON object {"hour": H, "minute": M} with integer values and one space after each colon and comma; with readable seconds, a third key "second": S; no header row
{"hour": 12, "minute": 34}
